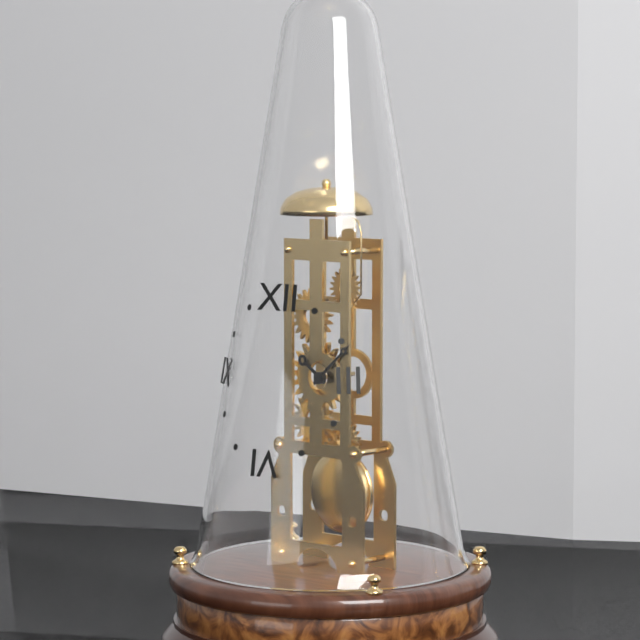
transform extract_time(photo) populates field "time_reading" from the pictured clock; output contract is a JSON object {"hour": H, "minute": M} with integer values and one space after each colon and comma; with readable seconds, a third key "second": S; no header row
{"hour": 10, "minute": 8}
